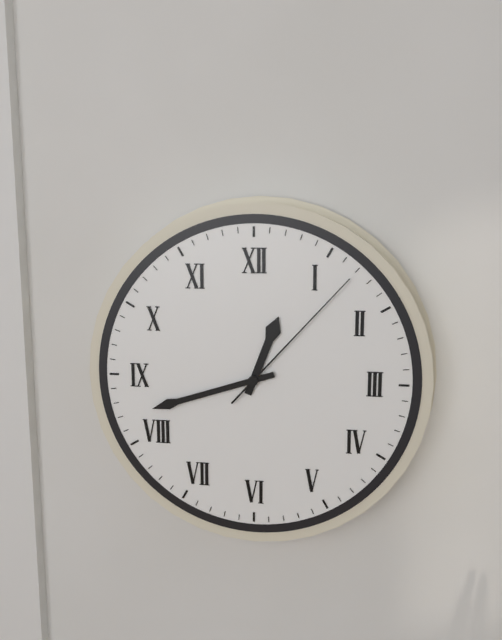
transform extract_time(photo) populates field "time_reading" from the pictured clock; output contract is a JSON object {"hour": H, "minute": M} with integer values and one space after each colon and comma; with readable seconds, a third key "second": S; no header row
{"hour": 12, "minute": 42, "second": 7}
